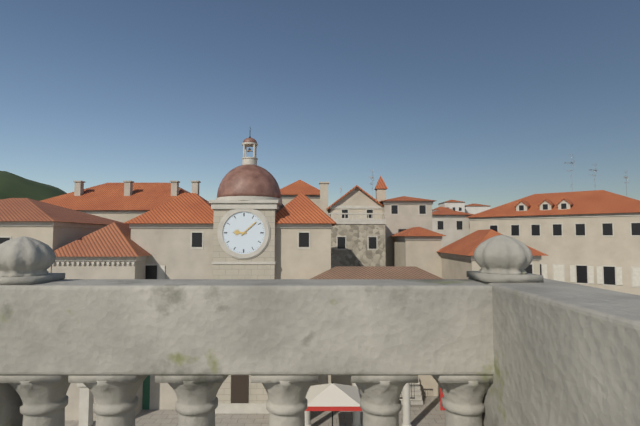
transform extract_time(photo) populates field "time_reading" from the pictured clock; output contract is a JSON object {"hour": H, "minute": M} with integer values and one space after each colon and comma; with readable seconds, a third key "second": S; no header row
{"hour": 9, "minute": 8}
